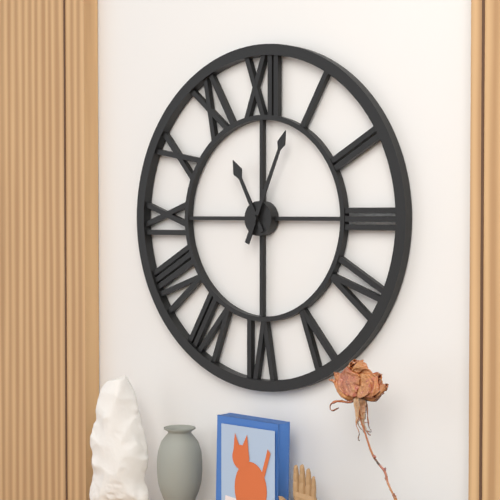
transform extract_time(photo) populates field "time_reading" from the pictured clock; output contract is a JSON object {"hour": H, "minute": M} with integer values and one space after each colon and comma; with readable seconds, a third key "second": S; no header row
{"hour": 11, "minute": 4}
